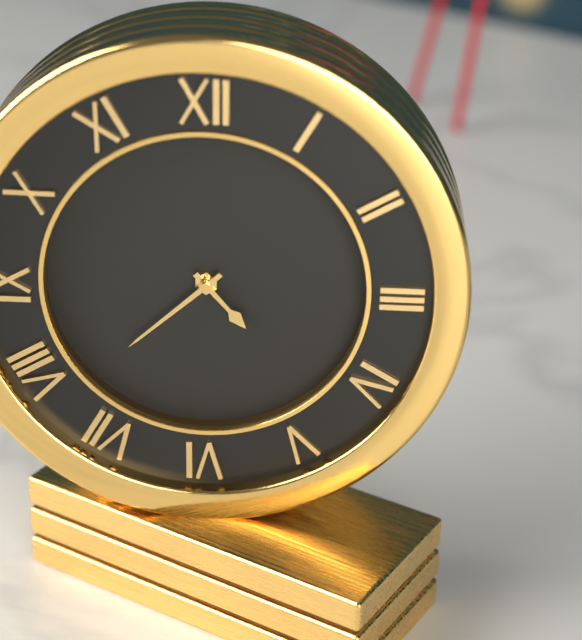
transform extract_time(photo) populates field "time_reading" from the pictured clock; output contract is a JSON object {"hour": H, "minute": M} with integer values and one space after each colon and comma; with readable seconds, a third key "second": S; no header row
{"hour": 4, "minute": 38}
